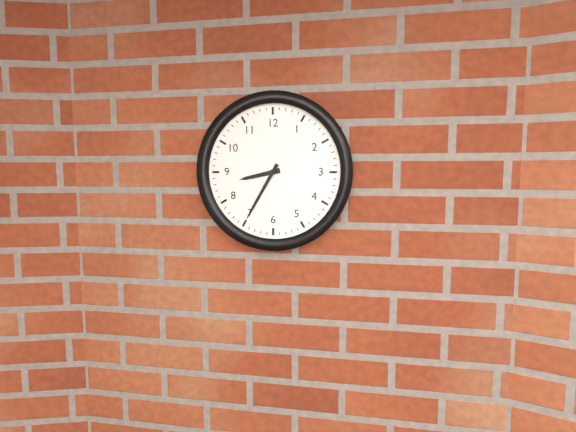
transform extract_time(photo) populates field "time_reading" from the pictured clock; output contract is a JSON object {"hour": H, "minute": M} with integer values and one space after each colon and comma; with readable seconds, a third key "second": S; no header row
{"hour": 8, "minute": 35}
